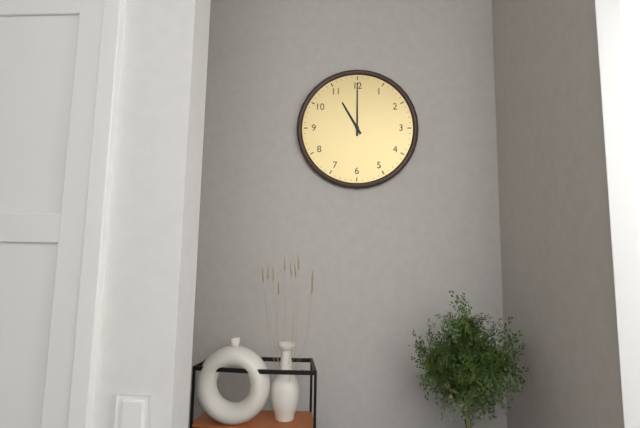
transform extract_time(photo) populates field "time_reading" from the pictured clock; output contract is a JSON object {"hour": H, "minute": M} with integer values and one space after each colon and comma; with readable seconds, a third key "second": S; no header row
{"hour": 11, "minute": 0}
